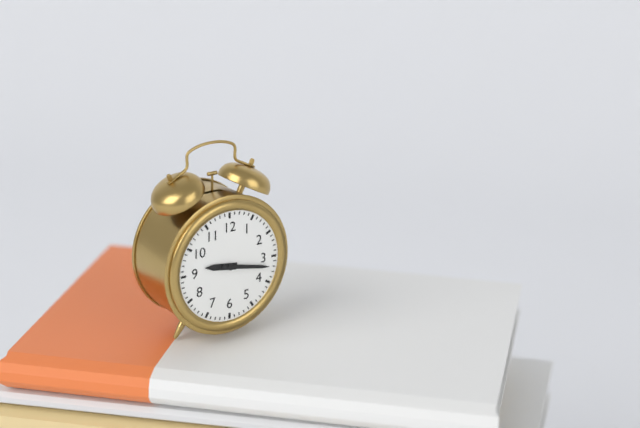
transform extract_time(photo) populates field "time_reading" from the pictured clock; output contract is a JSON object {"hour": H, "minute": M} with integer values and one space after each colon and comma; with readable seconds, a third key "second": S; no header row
{"hour": 9, "minute": 17}
